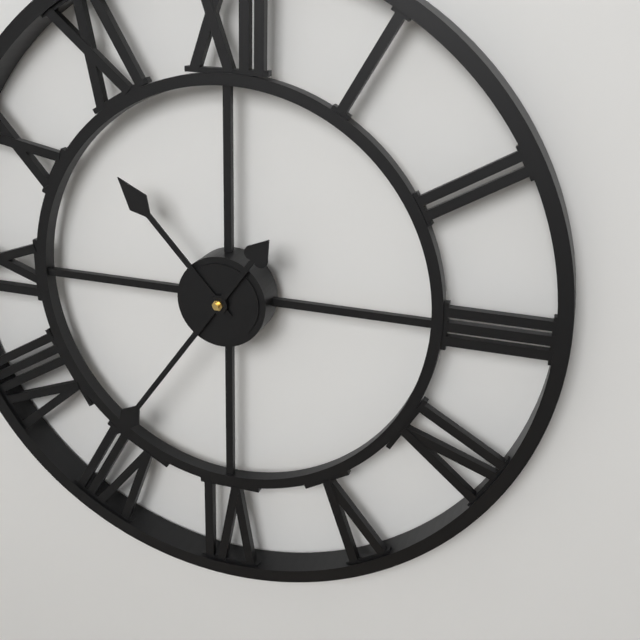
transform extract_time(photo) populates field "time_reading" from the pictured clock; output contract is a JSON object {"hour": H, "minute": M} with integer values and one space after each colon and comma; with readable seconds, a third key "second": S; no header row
{"hour": 10, "minute": 36}
